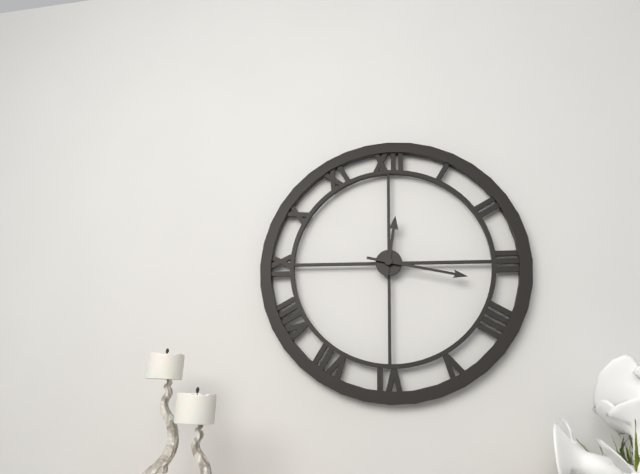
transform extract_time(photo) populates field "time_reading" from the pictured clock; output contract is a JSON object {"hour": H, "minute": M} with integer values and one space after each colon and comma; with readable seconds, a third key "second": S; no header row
{"hour": 12, "minute": 17}
